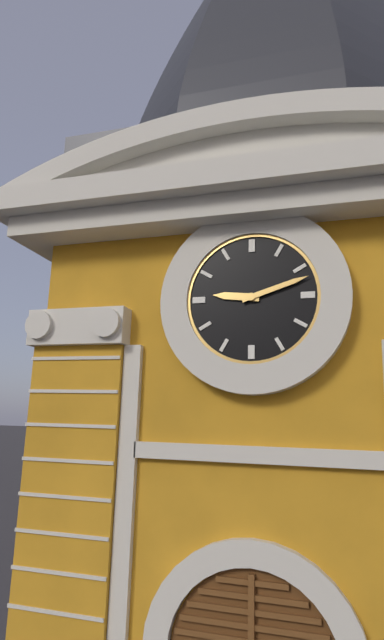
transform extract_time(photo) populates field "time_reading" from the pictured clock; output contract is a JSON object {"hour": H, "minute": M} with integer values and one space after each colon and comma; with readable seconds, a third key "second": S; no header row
{"hour": 9, "minute": 12}
